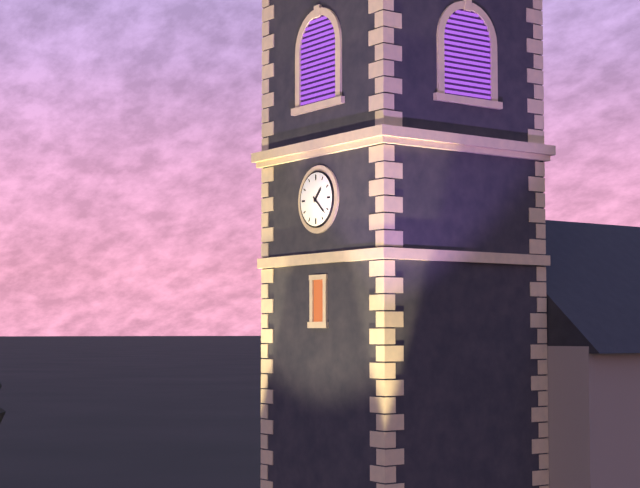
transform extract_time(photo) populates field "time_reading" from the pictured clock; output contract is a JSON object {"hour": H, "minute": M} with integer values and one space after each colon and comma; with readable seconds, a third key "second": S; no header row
{"hour": 1, "minute": 22}
